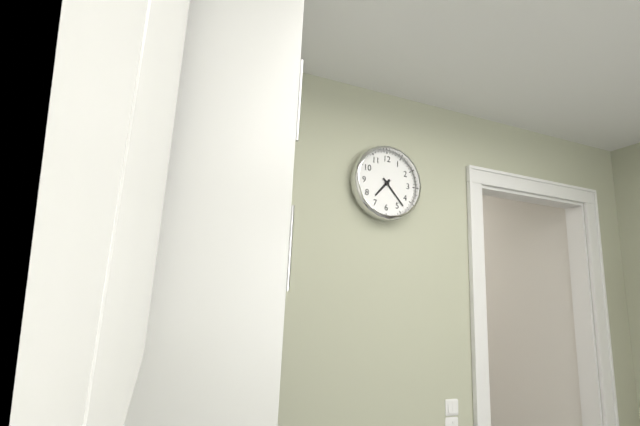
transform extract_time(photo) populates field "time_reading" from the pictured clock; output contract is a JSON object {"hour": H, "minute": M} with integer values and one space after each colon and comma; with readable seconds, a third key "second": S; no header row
{"hour": 7, "minute": 23}
